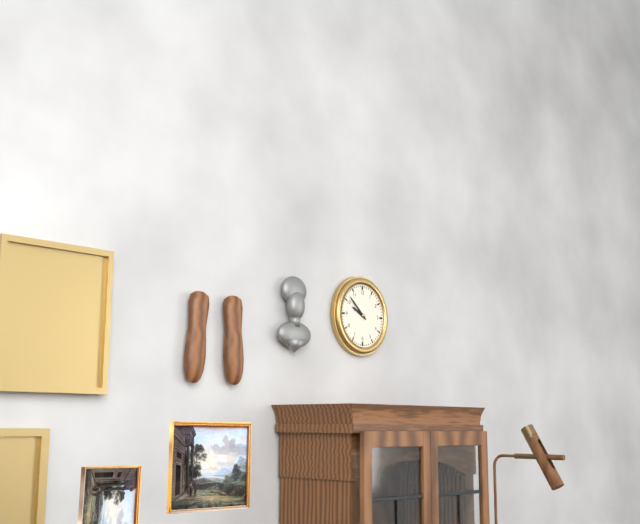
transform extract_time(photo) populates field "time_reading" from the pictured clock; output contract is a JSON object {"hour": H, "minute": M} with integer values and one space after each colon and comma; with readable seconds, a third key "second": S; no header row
{"hour": 9, "minute": 52}
